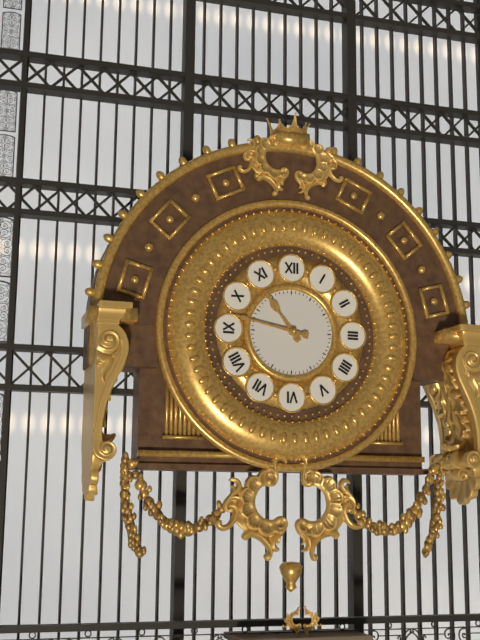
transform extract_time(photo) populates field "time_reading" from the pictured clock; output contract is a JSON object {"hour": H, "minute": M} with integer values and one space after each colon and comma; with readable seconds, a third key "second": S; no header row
{"hour": 10, "minute": 47}
